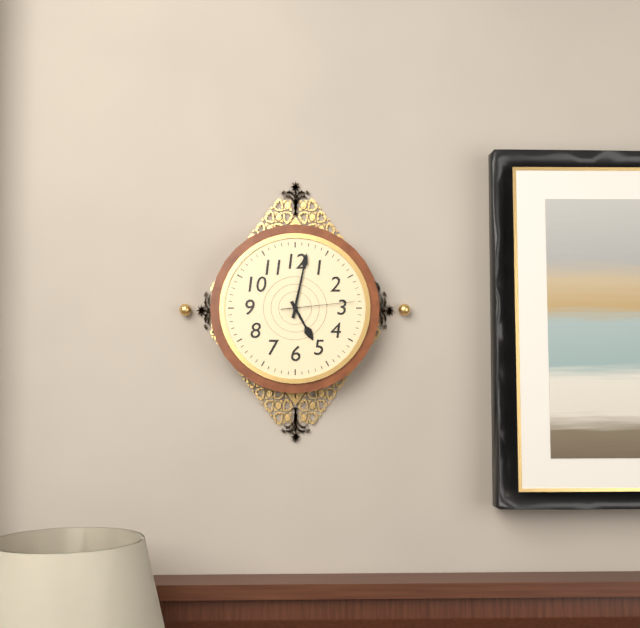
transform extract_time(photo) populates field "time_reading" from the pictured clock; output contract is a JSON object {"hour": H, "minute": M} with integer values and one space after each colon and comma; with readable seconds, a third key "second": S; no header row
{"hour": 5, "minute": 2, "second": 14}
